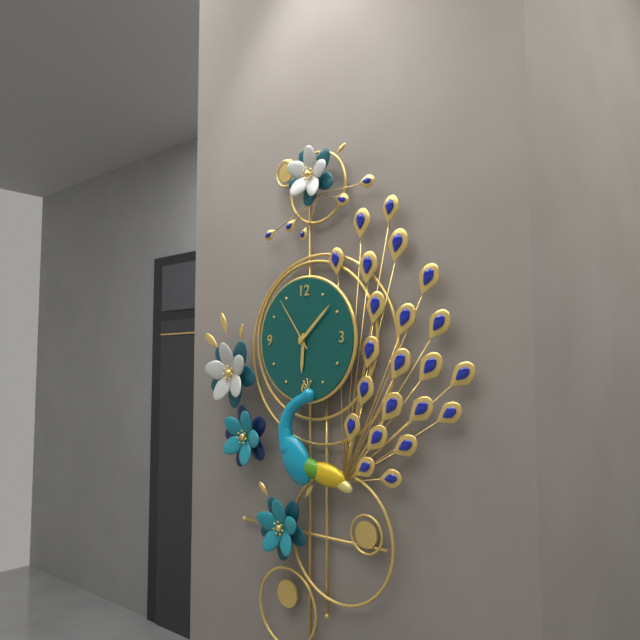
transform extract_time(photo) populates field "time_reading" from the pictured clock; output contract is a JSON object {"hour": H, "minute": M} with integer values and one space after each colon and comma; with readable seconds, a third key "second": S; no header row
{"hour": 6, "minute": 8, "second": 54}
